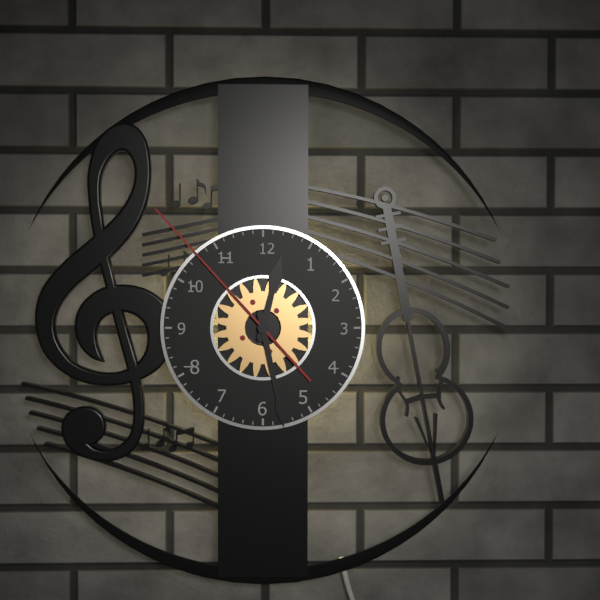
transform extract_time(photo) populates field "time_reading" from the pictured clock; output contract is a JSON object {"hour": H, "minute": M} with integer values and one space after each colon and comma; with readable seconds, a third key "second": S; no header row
{"hour": 12, "minute": 28, "second": 53}
